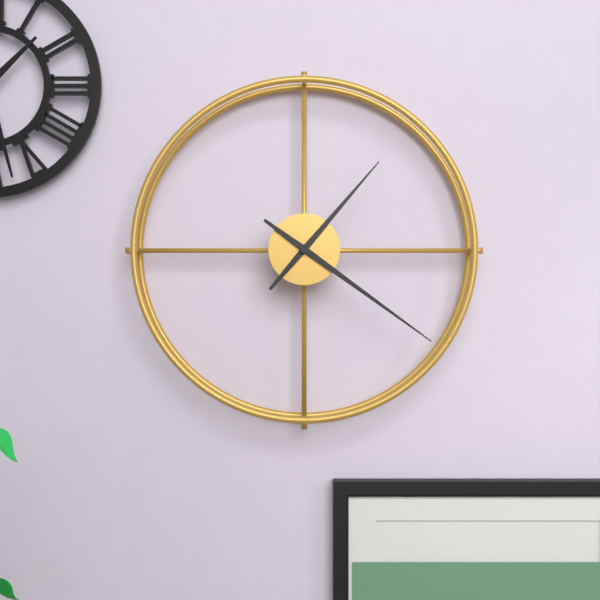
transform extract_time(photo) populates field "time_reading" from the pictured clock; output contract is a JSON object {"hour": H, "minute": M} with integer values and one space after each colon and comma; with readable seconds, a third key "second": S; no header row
{"hour": 1, "minute": 21}
